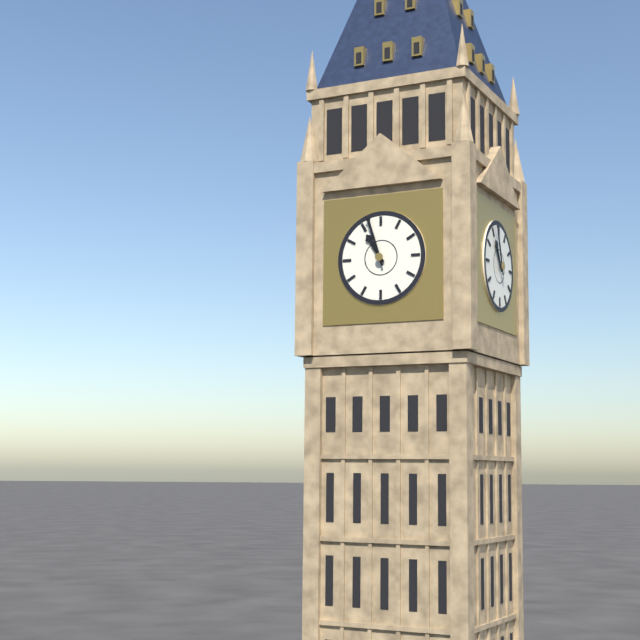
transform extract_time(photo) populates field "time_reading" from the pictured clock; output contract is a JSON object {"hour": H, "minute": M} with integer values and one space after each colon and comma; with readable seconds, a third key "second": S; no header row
{"hour": 10, "minute": 57}
